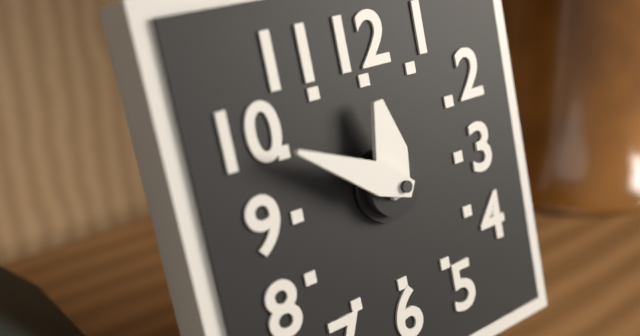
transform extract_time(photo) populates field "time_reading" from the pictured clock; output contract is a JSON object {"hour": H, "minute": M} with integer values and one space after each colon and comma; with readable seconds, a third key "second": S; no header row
{"hour": 11, "minute": 50}
